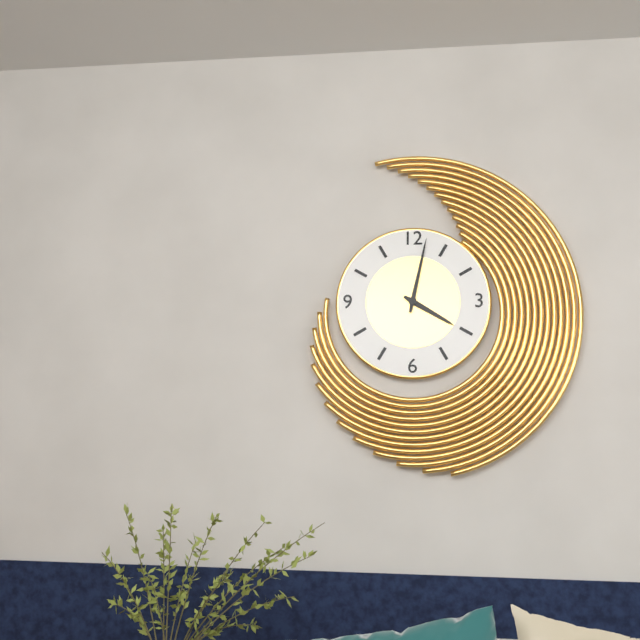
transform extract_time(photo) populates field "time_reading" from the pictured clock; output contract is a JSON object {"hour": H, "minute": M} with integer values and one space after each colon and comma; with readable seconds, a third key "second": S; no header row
{"hour": 4, "minute": 2}
